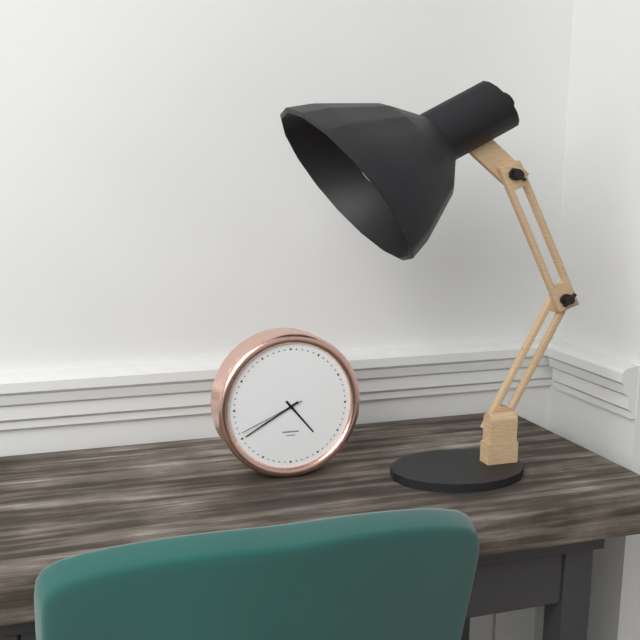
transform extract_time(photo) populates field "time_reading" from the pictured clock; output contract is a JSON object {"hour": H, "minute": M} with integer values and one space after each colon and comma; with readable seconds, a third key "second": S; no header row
{"hour": 4, "minute": 40, "second": 41}
